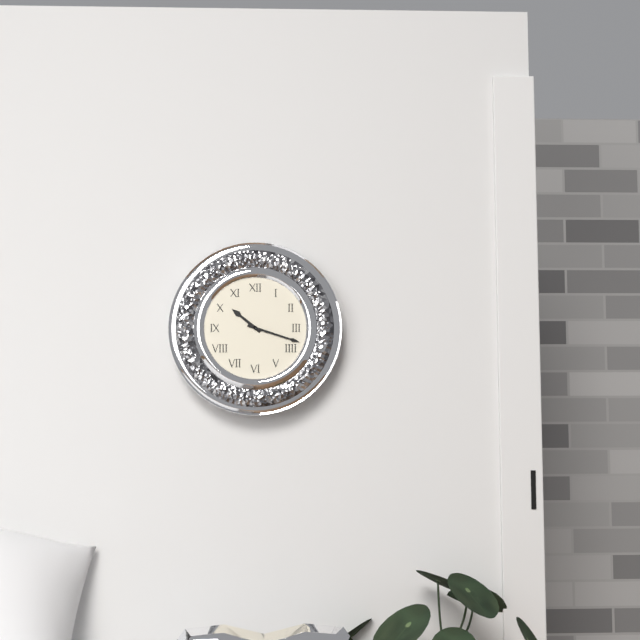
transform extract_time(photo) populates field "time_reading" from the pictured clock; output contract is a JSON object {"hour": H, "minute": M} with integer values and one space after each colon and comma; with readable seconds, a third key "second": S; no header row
{"hour": 10, "minute": 18}
